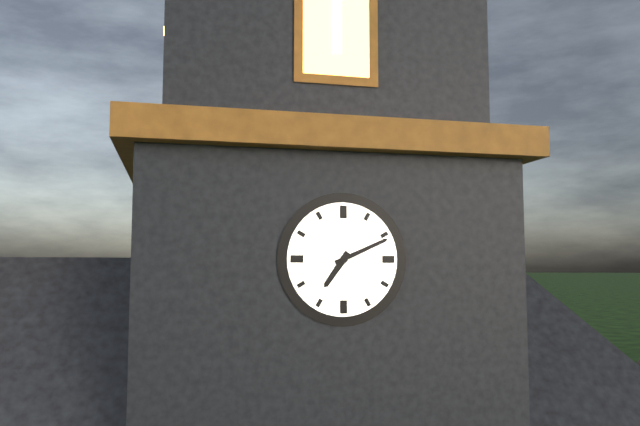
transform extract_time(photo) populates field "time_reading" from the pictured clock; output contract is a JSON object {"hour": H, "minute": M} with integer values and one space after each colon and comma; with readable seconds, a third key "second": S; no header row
{"hour": 7, "minute": 11}
